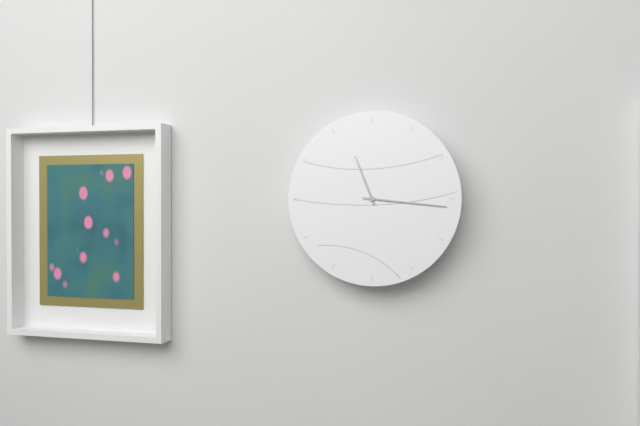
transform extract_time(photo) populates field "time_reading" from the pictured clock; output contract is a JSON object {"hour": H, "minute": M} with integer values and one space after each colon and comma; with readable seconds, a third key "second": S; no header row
{"hour": 11, "minute": 16}
